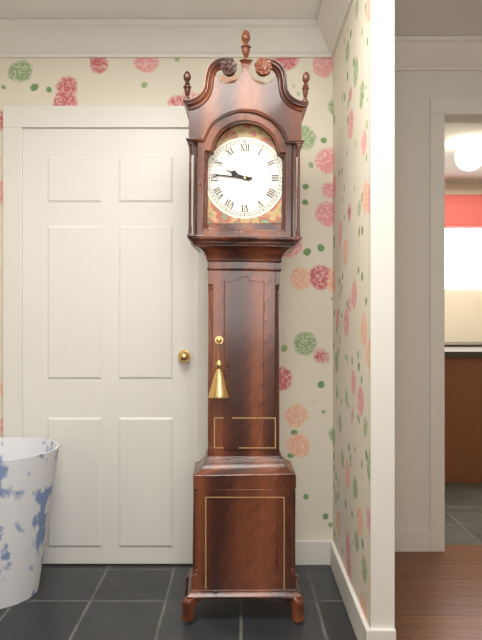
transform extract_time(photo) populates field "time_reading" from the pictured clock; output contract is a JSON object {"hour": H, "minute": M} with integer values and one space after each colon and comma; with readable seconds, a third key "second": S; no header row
{"hour": 9, "minute": 46}
